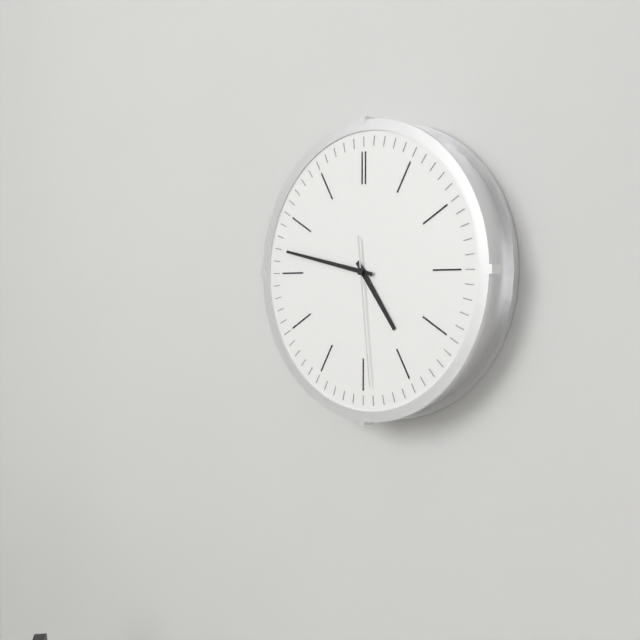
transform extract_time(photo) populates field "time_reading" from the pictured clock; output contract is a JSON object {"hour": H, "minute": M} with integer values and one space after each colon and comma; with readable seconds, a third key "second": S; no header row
{"hour": 4, "minute": 47, "second": 29}
